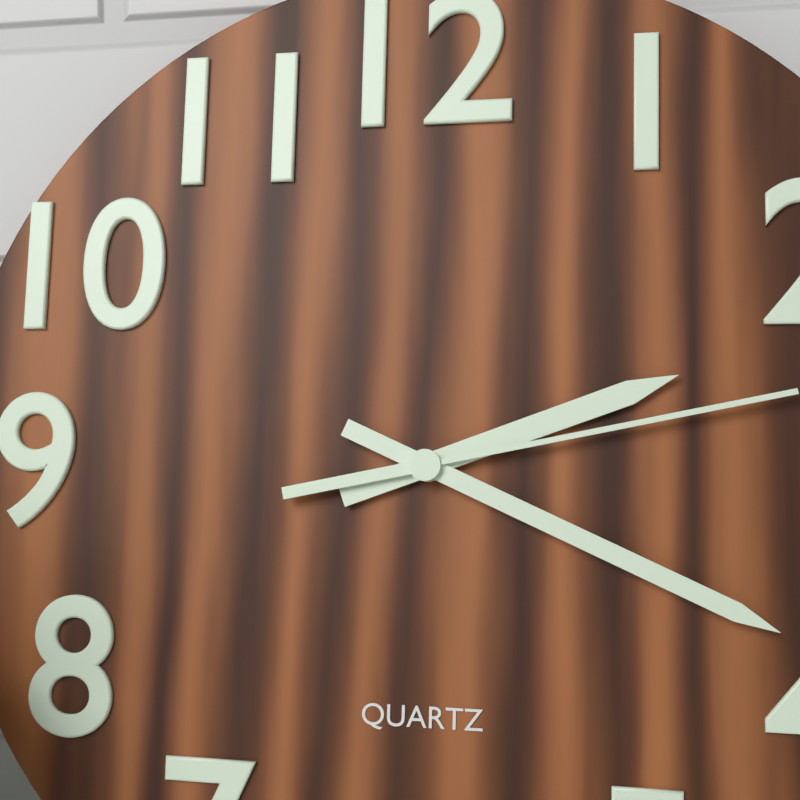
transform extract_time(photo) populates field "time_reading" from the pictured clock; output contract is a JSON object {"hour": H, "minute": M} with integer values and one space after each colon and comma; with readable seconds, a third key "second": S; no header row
{"hour": 2, "minute": 19, "second": 13}
